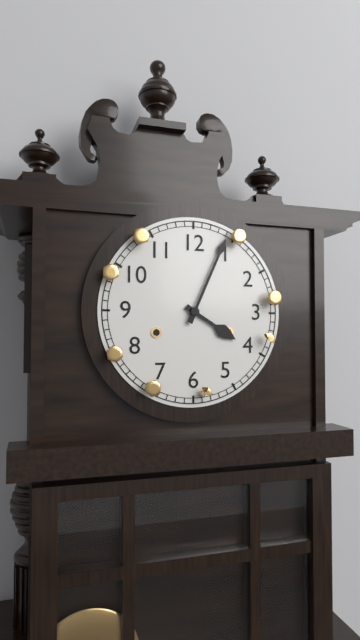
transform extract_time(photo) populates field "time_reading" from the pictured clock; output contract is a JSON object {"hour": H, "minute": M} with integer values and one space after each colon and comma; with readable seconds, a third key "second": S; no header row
{"hour": 4, "minute": 4}
